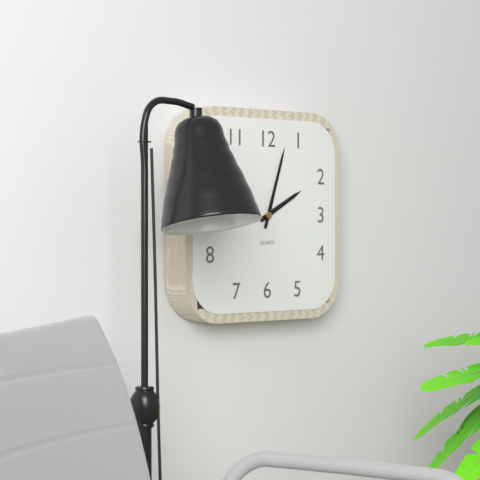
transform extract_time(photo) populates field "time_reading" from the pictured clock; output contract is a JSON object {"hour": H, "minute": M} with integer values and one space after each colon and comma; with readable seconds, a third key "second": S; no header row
{"hour": 2, "minute": 3}
